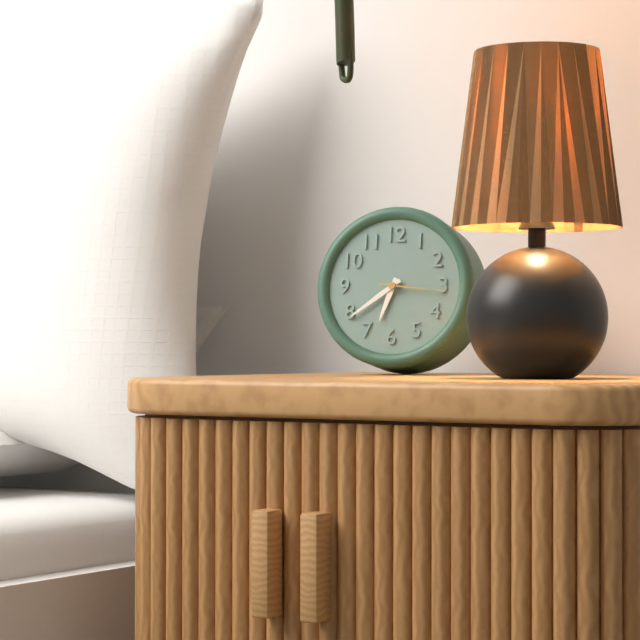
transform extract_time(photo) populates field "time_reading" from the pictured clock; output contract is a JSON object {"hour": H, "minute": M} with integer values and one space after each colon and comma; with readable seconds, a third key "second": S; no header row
{"hour": 6, "minute": 39, "second": 16}
